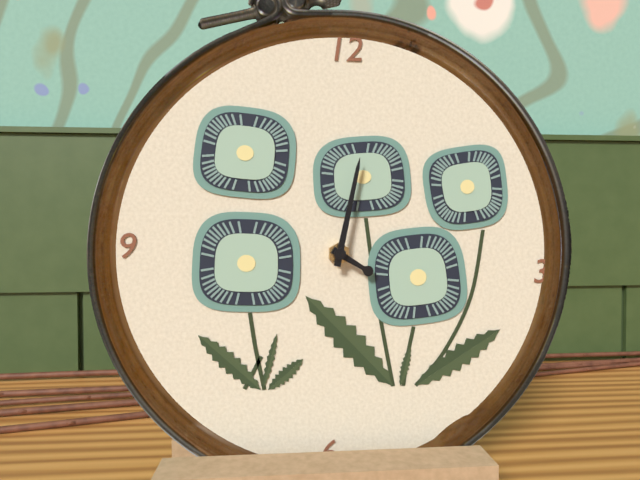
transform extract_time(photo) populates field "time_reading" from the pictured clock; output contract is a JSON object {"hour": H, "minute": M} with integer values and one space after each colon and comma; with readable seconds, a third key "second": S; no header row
{"hour": 4, "minute": 2}
